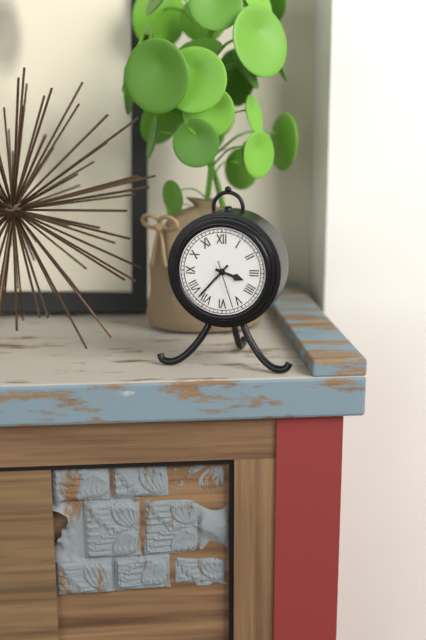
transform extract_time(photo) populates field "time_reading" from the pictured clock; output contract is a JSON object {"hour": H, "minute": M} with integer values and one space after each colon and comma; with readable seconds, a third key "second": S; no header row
{"hour": 3, "minute": 37, "second": 27}
